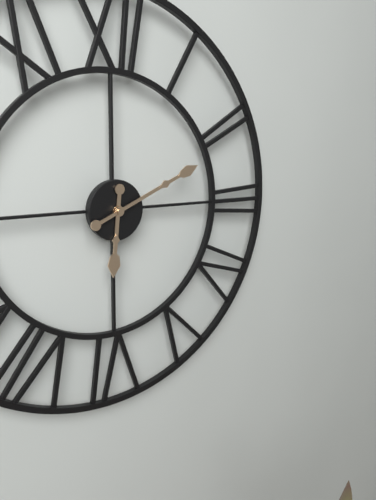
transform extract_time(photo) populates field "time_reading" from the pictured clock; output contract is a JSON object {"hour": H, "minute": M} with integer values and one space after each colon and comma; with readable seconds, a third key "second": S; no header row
{"hour": 6, "minute": 11}
